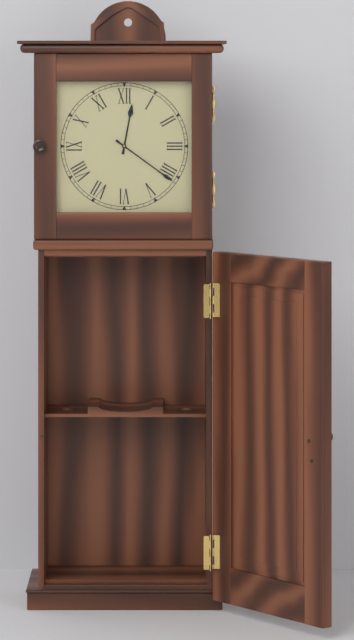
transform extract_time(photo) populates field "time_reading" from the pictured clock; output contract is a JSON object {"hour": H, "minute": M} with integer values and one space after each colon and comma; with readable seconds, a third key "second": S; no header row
{"hour": 12, "minute": 21}
